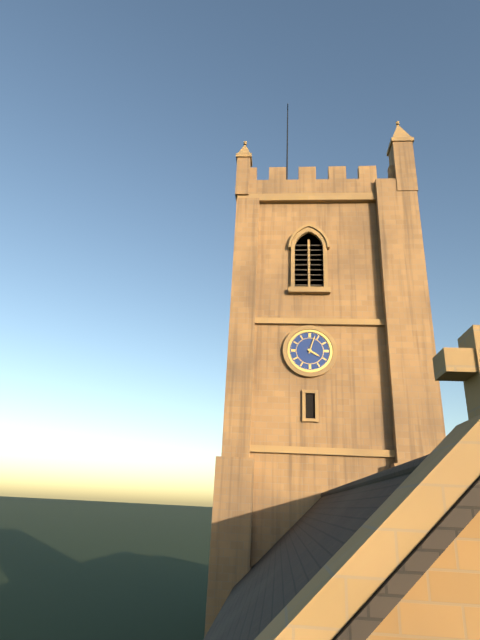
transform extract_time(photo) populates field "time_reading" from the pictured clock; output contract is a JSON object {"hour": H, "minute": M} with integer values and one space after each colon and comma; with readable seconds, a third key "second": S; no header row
{"hour": 4, "minute": 3}
